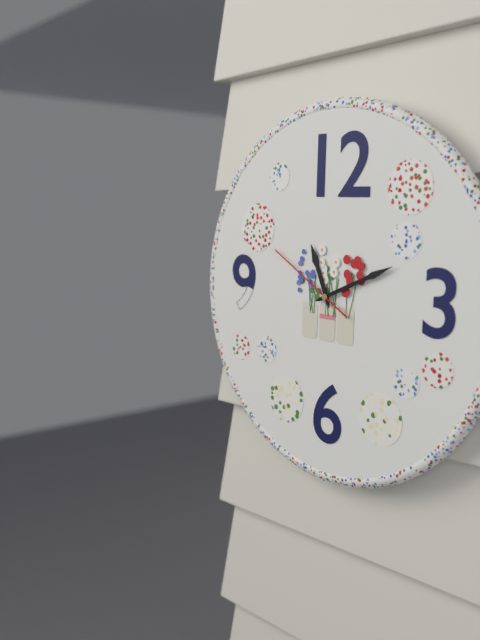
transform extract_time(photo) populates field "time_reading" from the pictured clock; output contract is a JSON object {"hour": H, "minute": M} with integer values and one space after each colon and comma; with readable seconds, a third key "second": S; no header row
{"hour": 11, "minute": 11, "second": 50}
